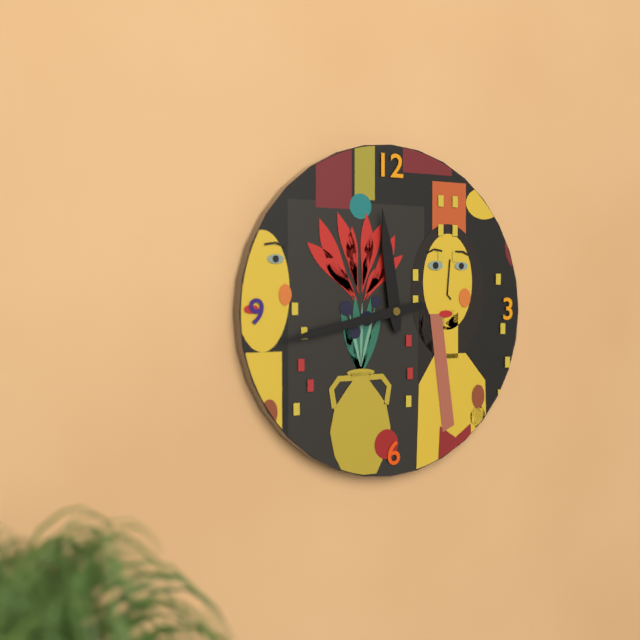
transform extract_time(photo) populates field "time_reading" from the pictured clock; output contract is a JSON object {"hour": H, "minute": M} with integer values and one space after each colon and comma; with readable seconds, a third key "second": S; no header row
{"hour": 11, "minute": 43}
